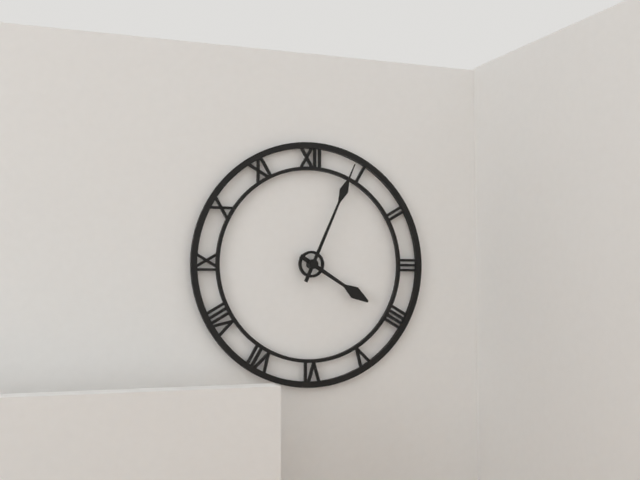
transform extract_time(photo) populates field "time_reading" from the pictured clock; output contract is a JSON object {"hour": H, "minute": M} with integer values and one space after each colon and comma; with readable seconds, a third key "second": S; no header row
{"hour": 4, "minute": 4}
